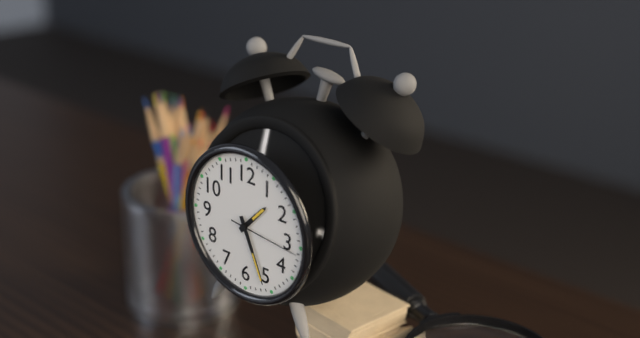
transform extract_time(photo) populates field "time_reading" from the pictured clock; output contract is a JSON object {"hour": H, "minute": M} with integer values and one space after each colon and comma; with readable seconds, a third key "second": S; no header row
{"hour": 1, "minute": 26, "second": 16}
